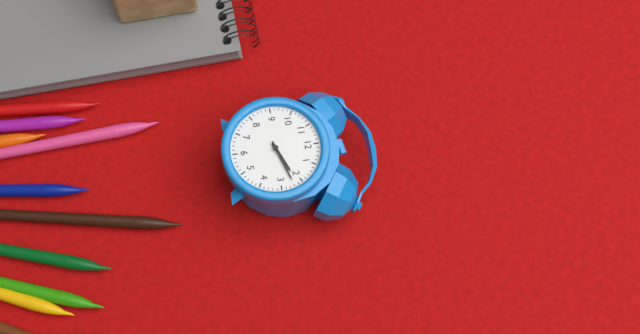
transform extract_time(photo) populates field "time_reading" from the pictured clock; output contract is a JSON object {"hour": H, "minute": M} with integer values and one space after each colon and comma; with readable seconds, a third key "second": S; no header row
{"hour": 2, "minute": 12}
